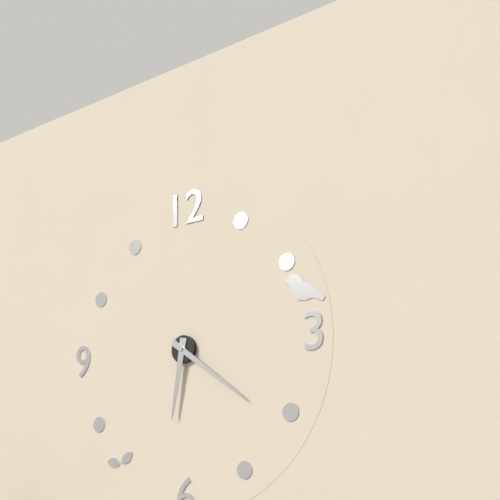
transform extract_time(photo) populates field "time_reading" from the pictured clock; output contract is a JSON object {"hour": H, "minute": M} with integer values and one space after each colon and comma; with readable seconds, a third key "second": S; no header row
{"hour": 6, "minute": 21}
